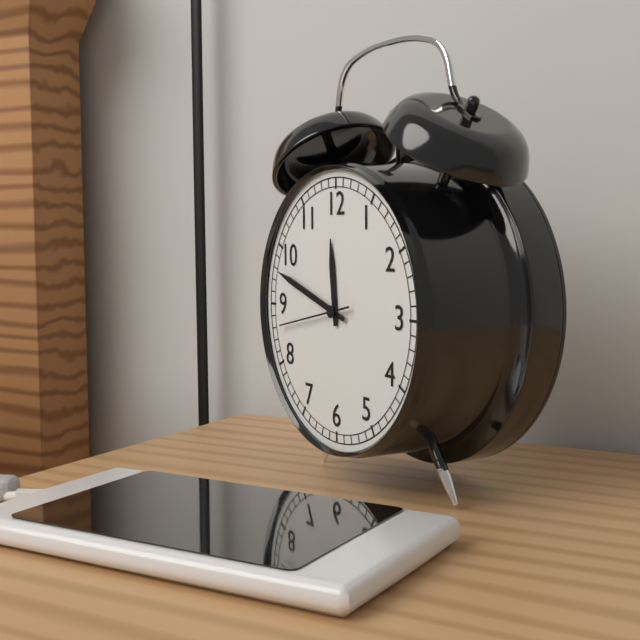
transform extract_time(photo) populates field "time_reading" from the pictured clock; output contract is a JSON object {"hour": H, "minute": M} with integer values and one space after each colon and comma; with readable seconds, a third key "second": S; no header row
{"hour": 11, "minute": 48, "second": 43}
